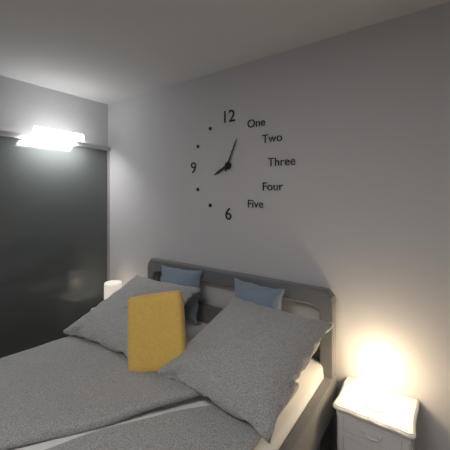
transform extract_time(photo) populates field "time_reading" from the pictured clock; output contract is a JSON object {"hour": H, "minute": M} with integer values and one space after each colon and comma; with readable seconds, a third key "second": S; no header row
{"hour": 8, "minute": 4}
